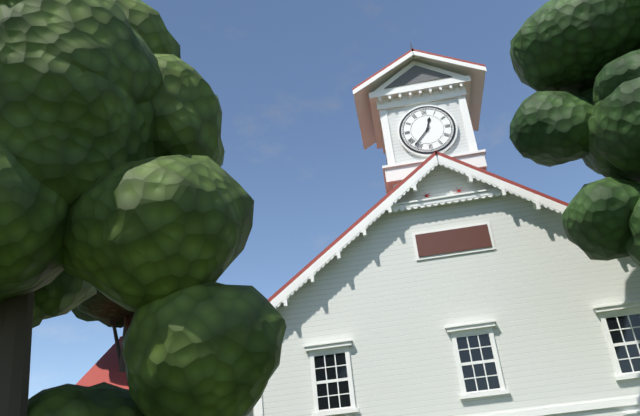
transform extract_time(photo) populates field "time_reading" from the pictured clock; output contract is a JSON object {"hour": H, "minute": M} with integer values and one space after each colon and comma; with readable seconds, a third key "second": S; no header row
{"hour": 12, "minute": 37}
